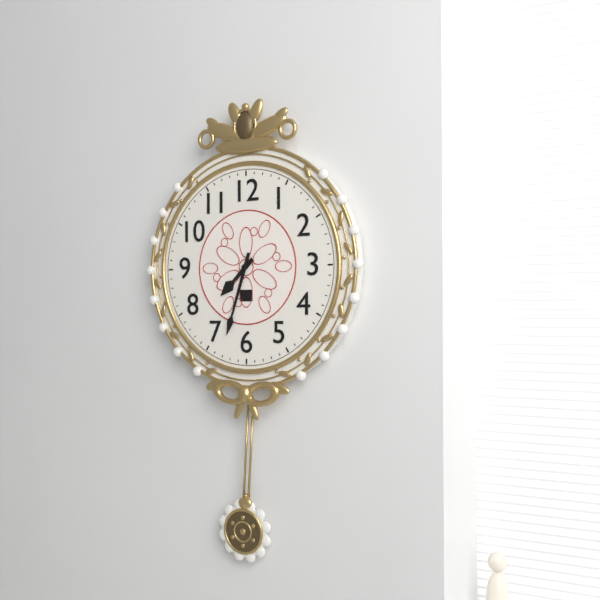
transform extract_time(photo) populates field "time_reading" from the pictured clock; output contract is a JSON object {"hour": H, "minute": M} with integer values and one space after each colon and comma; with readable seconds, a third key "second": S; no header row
{"hour": 7, "minute": 33}
